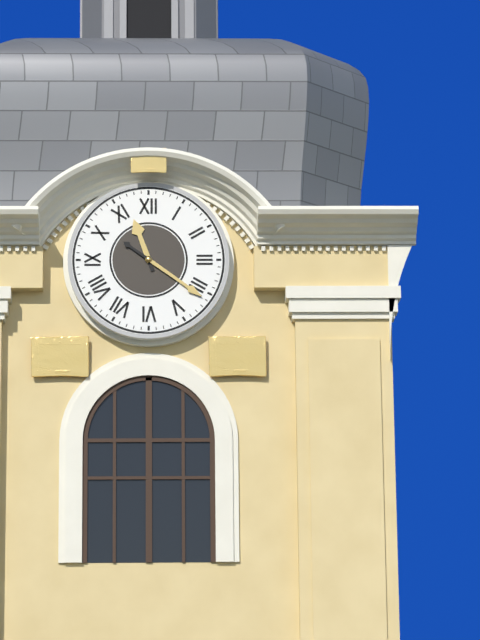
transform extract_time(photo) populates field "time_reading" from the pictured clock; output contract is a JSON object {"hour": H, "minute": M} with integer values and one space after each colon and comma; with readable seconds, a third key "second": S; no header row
{"hour": 11, "minute": 21}
